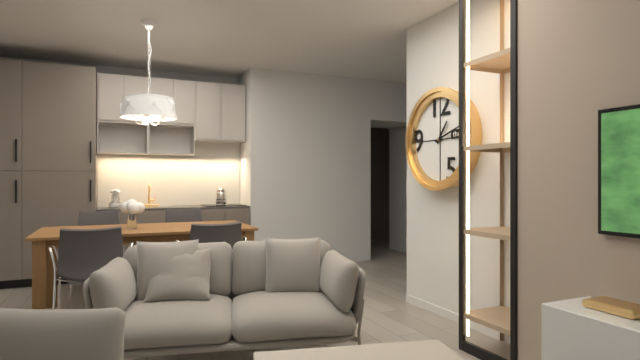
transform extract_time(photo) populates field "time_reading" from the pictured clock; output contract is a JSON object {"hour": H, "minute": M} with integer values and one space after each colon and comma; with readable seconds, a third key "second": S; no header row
{"hour": 1, "minute": 12}
